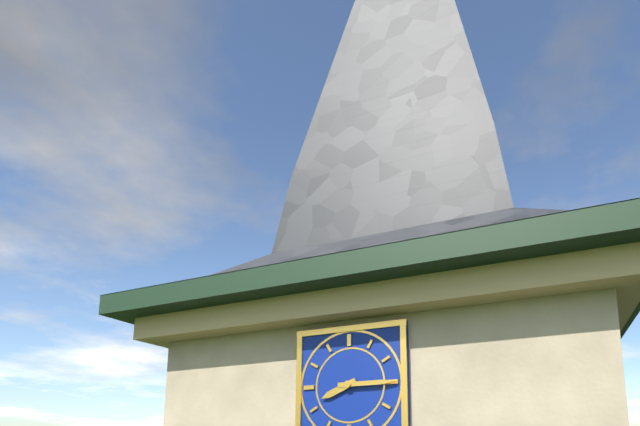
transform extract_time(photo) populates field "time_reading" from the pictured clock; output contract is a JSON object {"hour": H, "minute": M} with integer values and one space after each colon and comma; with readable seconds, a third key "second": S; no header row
{"hour": 8, "minute": 15}
